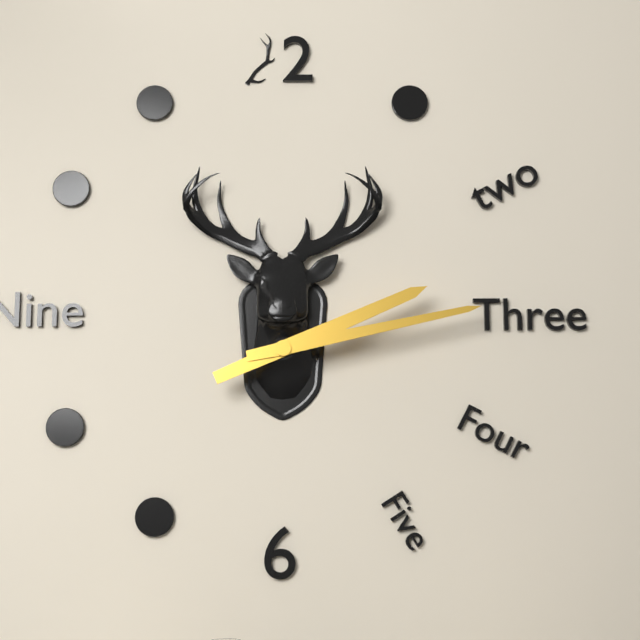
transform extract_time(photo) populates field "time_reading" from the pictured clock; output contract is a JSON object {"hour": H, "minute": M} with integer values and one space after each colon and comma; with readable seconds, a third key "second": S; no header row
{"hour": 2, "minute": 13}
